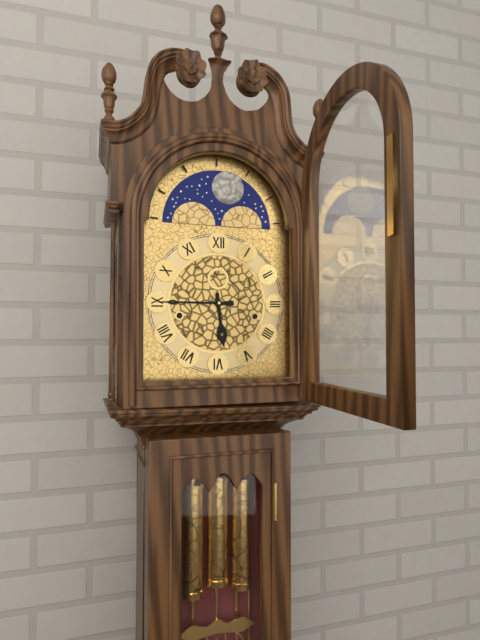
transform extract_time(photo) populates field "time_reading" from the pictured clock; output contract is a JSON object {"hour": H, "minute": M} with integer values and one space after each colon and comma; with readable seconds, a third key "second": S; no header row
{"hour": 5, "minute": 45}
